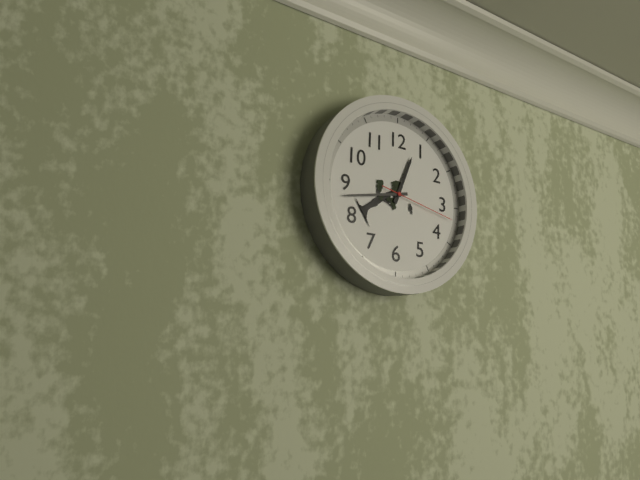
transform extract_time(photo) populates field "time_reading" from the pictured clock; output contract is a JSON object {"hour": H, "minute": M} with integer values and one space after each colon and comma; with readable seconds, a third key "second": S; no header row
{"hour": 12, "minute": 43, "second": 17}
